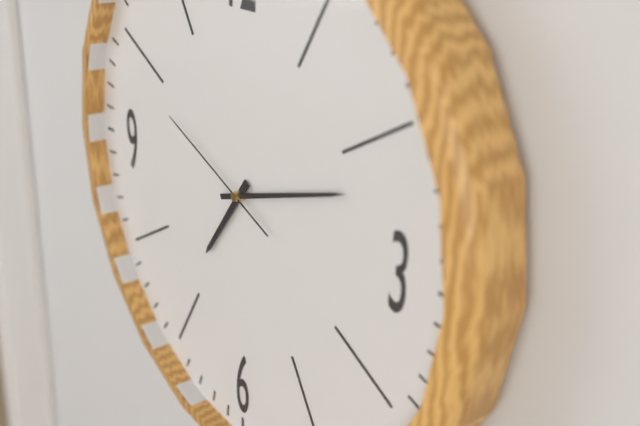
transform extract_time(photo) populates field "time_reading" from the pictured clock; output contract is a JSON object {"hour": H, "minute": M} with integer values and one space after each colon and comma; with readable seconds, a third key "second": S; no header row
{"hour": 7, "minute": 12, "second": 49}
